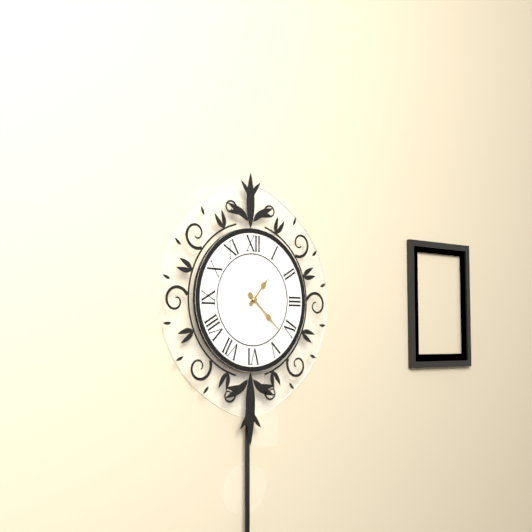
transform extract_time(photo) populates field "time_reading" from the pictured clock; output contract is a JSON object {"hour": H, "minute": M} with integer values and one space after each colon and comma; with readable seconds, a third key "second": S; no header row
{"hour": 1, "minute": 22}
